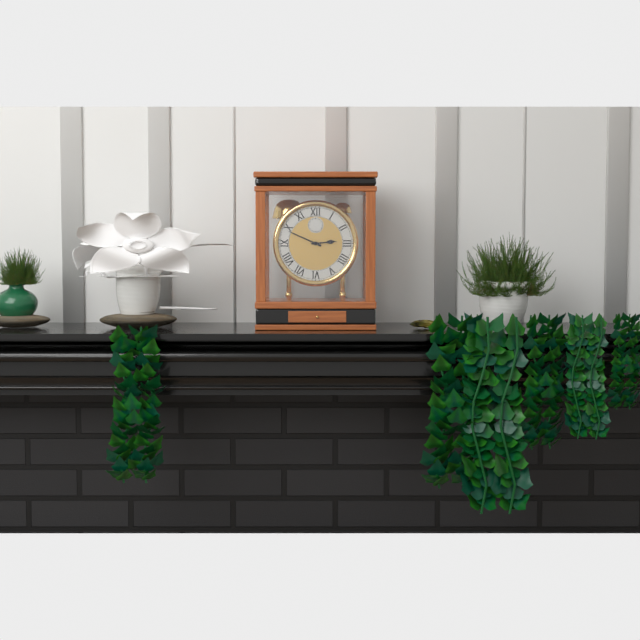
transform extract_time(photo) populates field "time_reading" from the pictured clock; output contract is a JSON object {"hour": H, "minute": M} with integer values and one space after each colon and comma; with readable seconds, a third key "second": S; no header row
{"hour": 2, "minute": 49}
